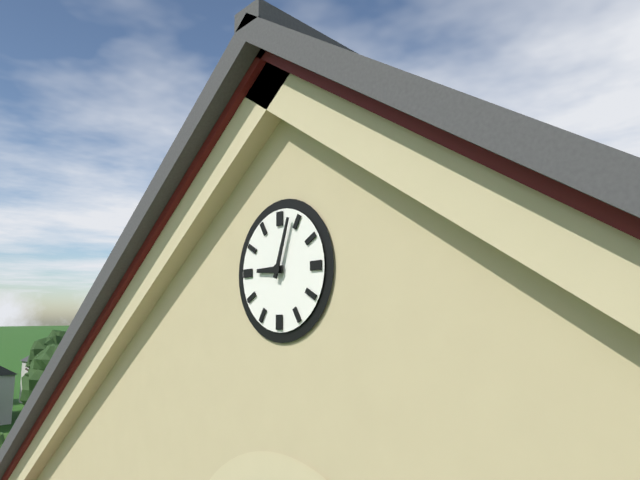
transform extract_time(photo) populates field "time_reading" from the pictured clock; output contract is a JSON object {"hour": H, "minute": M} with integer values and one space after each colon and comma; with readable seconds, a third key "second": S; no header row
{"hour": 9, "minute": 3}
